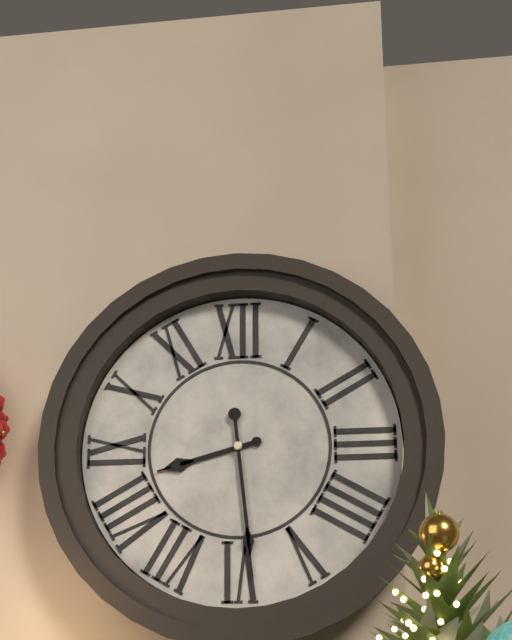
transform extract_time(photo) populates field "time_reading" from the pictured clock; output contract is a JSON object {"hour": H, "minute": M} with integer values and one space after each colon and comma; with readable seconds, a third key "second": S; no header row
{"hour": 8, "minute": 29}
